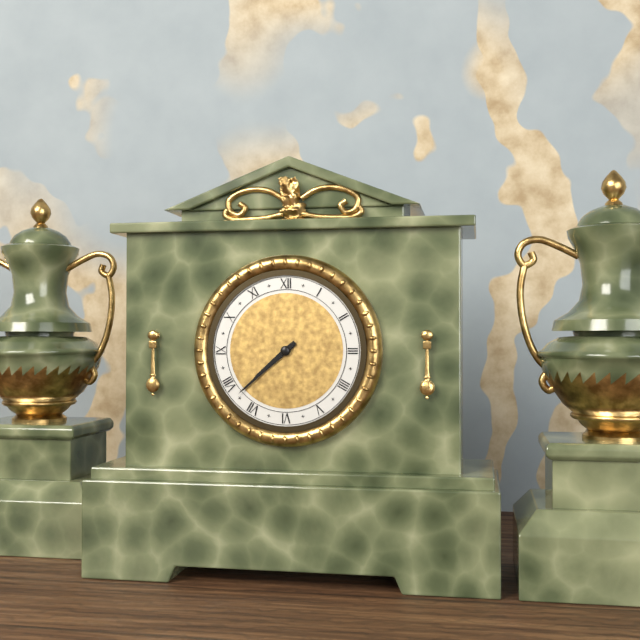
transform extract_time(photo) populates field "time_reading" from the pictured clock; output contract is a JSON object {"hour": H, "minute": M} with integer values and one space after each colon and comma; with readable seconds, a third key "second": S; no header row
{"hour": 7, "minute": 38}
